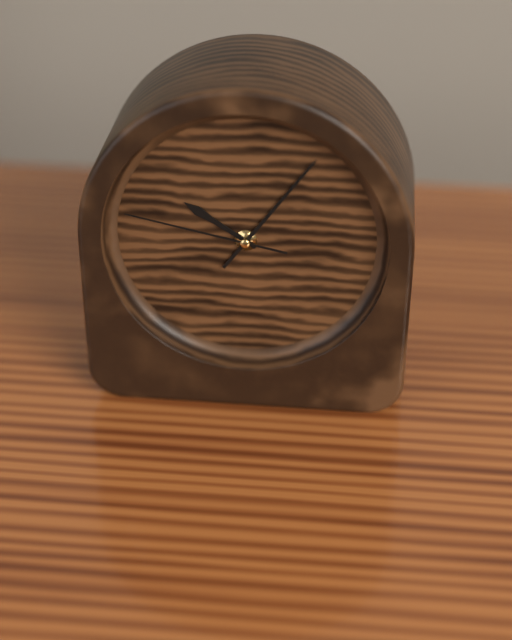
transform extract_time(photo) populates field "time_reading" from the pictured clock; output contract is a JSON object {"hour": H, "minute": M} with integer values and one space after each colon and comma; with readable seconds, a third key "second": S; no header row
{"hour": 10, "minute": 6, "second": 47}
